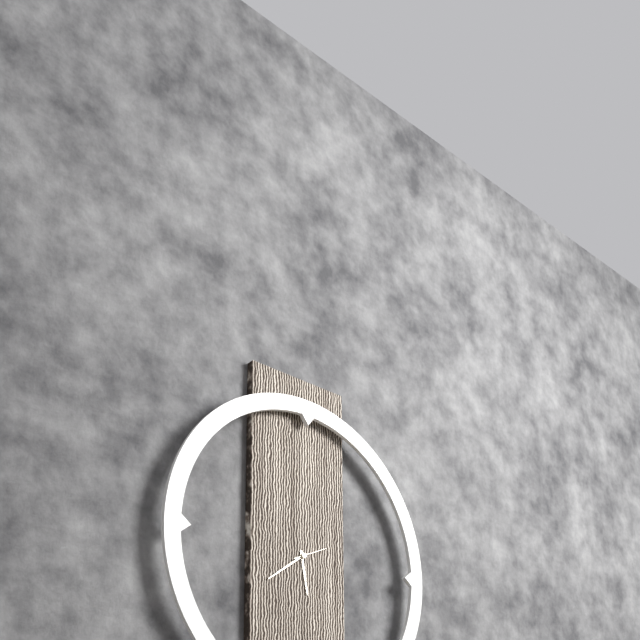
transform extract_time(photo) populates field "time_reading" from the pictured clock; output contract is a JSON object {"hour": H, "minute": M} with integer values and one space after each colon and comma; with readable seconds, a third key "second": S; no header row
{"hour": 5, "minute": 39}
